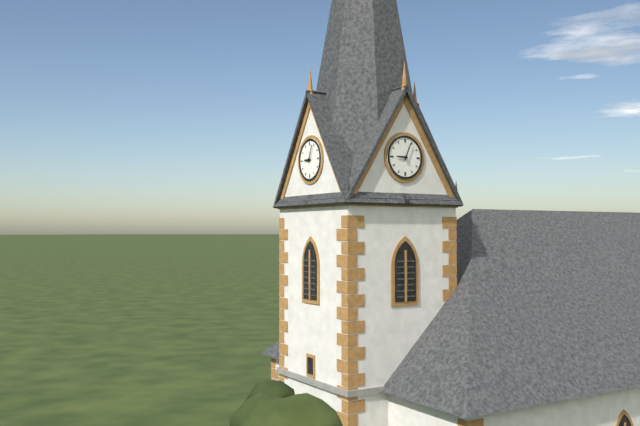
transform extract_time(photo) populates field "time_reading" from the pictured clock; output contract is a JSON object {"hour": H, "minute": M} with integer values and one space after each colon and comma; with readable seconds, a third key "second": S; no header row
{"hour": 9, "minute": 4}
